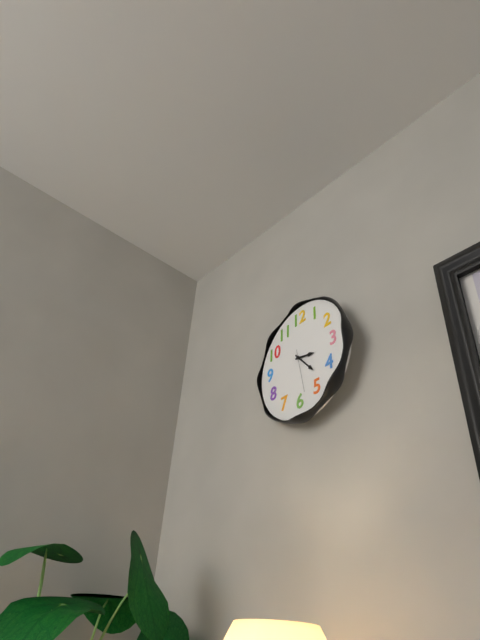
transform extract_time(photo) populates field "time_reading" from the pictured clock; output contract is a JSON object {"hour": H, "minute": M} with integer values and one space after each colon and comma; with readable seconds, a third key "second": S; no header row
{"hour": 3, "minute": 23}
